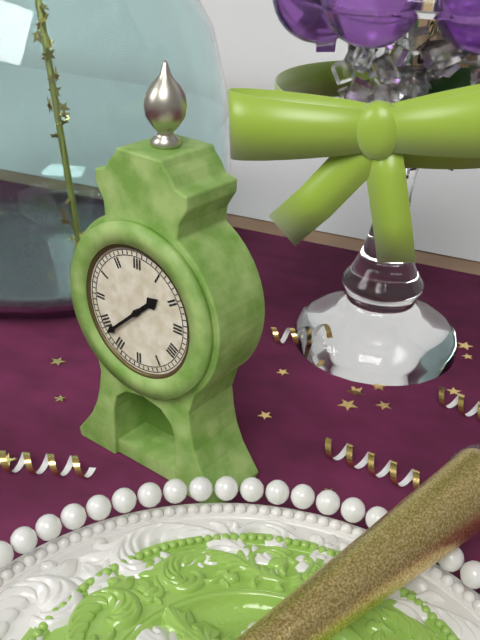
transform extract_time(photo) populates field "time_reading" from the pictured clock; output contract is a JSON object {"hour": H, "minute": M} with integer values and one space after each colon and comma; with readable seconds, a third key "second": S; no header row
{"hour": 1, "minute": 38}
